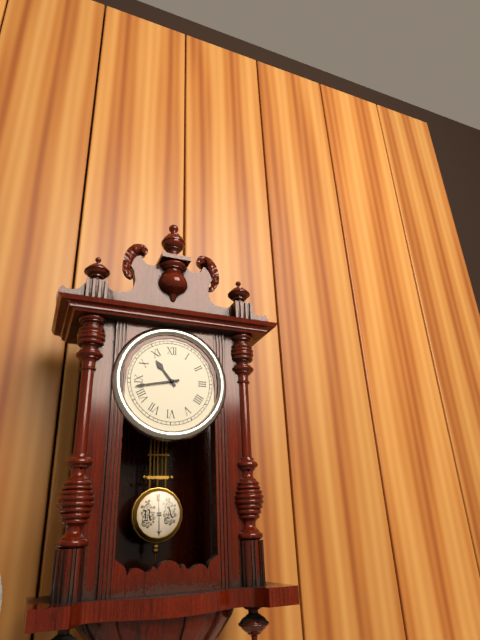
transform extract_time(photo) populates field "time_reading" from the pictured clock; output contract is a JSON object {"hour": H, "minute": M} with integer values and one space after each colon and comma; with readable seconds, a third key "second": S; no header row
{"hour": 10, "minute": 43}
